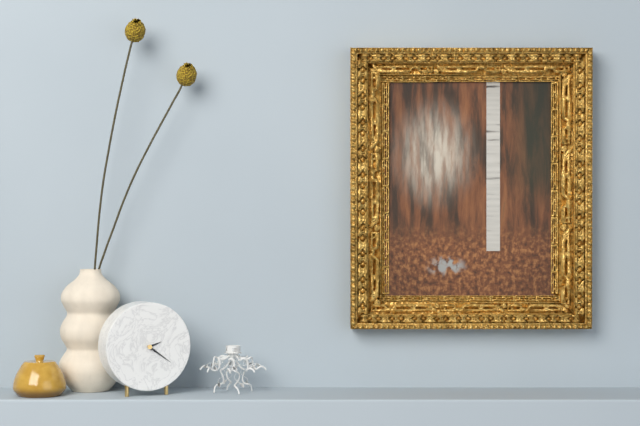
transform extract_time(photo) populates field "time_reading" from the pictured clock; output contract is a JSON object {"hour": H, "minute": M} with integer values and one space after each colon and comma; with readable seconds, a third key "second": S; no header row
{"hour": 2, "minute": 21}
